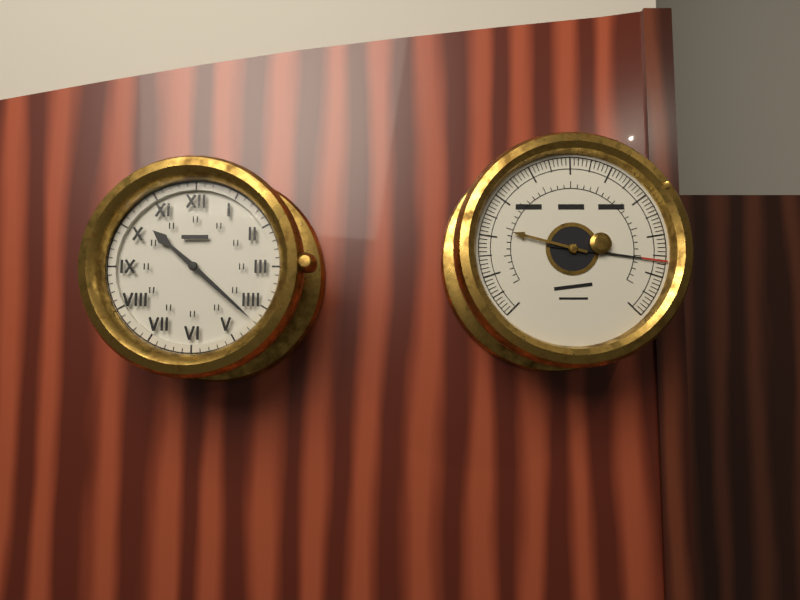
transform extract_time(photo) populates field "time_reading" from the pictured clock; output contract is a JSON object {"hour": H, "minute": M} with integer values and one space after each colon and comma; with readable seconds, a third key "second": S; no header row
{"hour": 10, "minute": 22}
